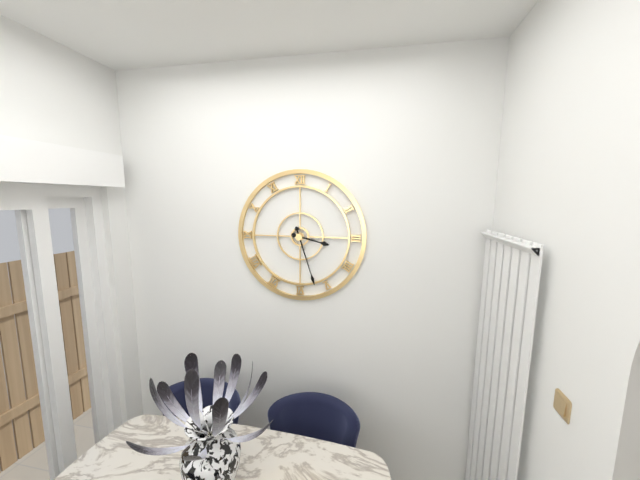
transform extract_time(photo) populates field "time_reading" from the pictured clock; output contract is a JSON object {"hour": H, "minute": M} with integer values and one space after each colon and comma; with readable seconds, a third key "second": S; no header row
{"hour": 3, "minute": 27}
